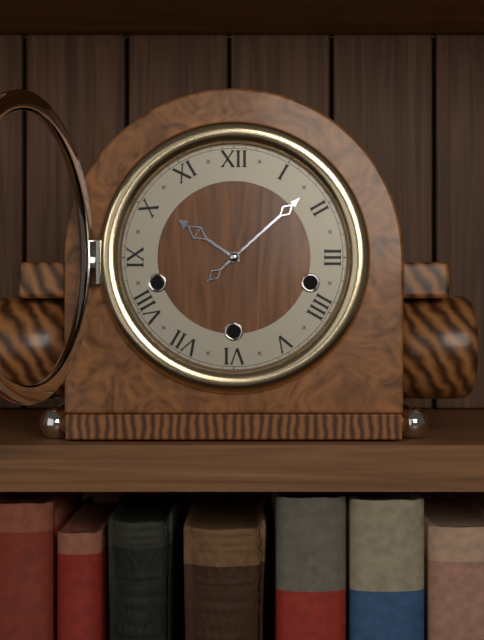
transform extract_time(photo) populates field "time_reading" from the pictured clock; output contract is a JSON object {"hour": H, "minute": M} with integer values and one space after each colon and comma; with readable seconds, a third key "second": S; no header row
{"hour": 10, "minute": 8}
